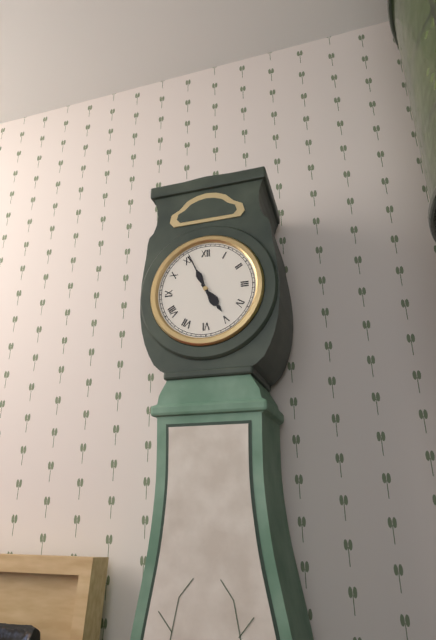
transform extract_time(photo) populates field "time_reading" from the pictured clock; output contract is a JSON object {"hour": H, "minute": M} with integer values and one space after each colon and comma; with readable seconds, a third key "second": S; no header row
{"hour": 4, "minute": 56}
